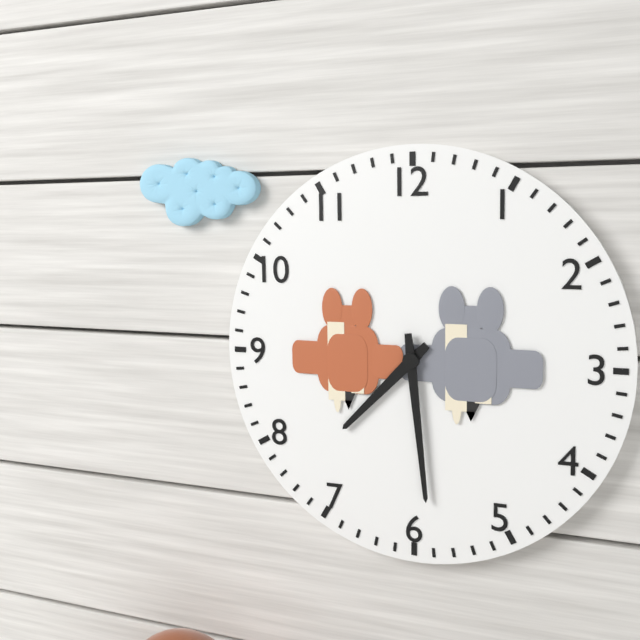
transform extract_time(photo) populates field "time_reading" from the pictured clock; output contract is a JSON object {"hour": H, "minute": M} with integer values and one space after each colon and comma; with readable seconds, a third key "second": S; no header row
{"hour": 7, "minute": 29}
